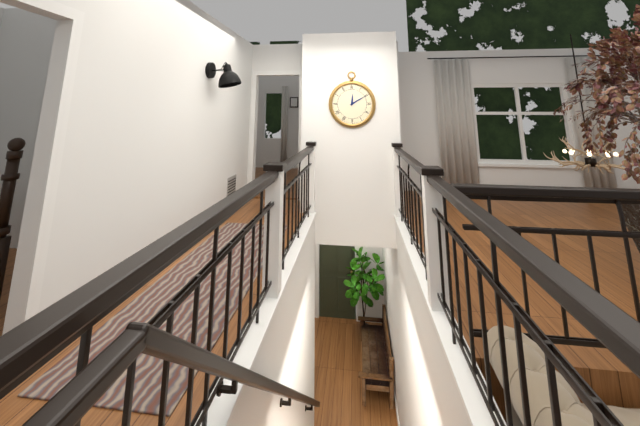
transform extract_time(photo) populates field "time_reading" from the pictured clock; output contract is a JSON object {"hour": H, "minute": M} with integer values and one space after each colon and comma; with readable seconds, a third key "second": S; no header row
{"hour": 12, "minute": 10}
